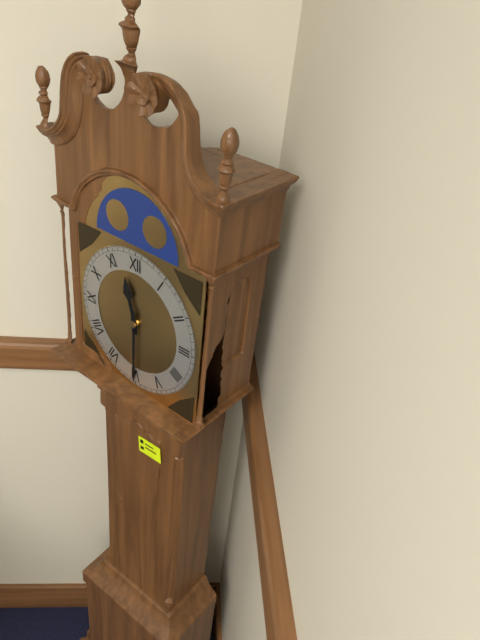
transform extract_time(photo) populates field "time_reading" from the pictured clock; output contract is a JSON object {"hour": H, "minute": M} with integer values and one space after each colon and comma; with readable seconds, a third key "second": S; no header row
{"hour": 11, "minute": 30}
